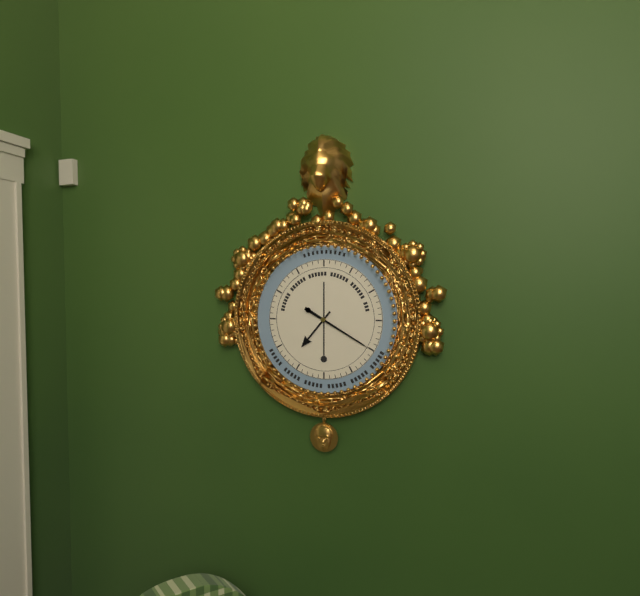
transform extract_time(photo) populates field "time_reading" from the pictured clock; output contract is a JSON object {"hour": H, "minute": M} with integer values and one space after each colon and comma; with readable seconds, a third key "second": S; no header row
{"hour": 7, "minute": 20}
